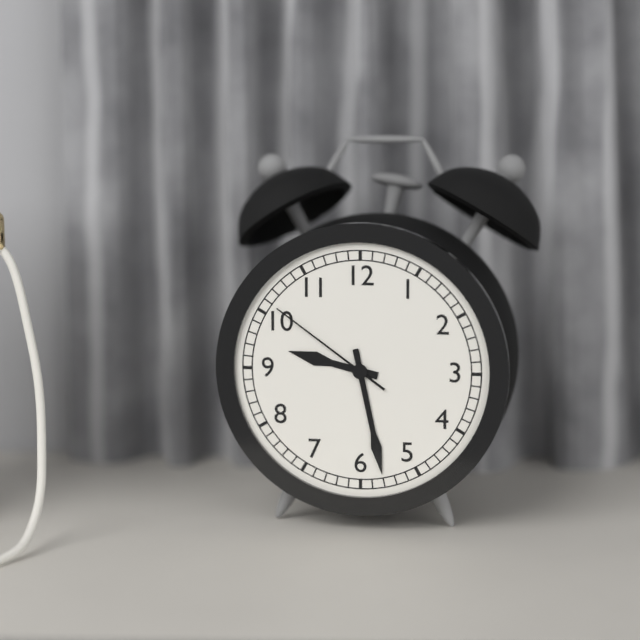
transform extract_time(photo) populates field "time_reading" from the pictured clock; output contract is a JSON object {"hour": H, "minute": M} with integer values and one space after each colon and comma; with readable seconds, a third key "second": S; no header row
{"hour": 9, "minute": 28, "second": 51}
